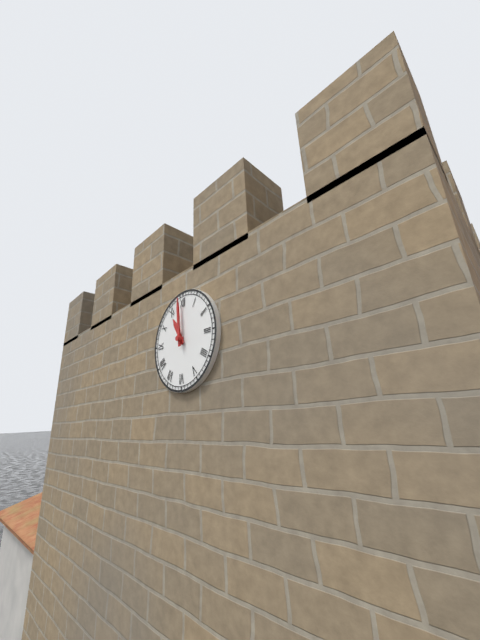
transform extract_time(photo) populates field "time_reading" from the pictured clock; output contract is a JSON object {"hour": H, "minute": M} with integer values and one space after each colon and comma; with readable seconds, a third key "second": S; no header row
{"hour": 10, "minute": 59}
